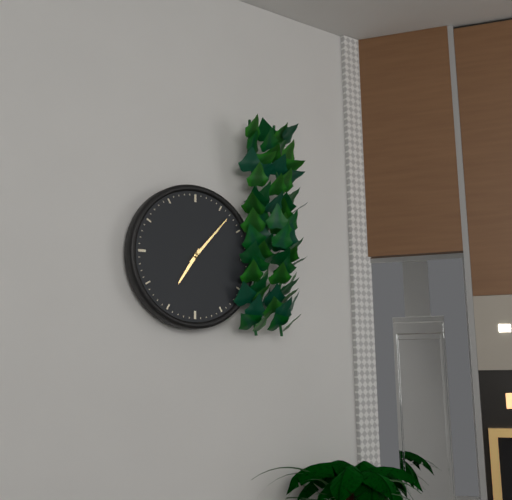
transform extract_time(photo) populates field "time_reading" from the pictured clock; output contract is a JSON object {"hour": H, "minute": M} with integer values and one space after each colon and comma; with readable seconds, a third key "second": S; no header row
{"hour": 7, "minute": 7}
